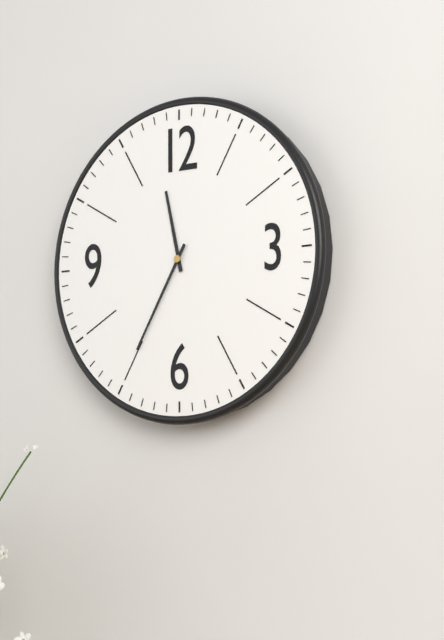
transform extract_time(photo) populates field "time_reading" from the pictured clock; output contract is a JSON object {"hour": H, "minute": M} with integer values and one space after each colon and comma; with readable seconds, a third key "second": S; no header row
{"hour": 11, "minute": 35}
